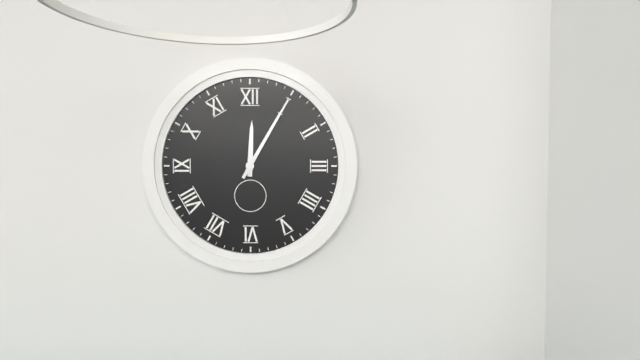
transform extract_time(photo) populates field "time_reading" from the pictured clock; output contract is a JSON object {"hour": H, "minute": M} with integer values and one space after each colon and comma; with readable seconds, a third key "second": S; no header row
{"hour": 12, "minute": 5}
